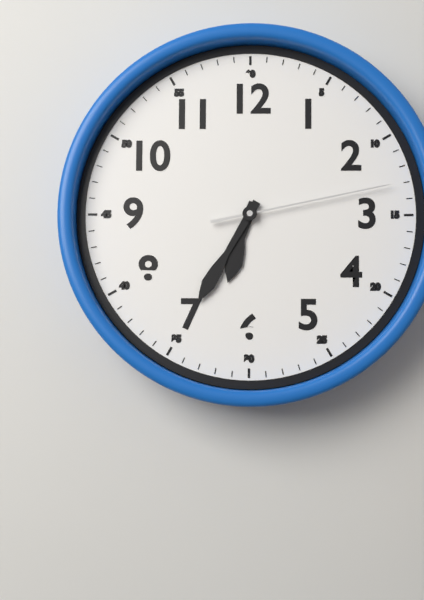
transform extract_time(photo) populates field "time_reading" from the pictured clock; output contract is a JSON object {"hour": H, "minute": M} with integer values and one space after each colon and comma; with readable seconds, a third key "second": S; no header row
{"hour": 6, "minute": 35, "second": 13}
